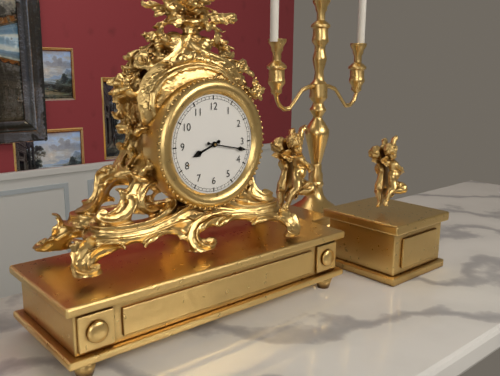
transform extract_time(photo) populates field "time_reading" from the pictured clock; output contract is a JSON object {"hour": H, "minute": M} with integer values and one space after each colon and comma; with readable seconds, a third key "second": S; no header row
{"hour": 8, "minute": 17}
